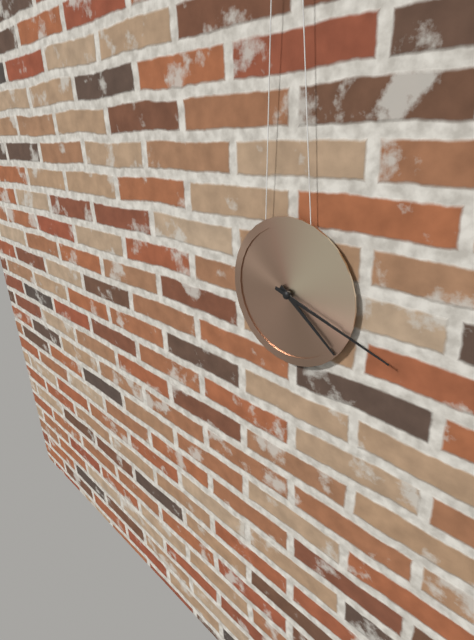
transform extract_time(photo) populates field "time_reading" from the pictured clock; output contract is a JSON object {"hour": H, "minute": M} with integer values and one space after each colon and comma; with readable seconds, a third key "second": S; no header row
{"hour": 4, "minute": 18}
